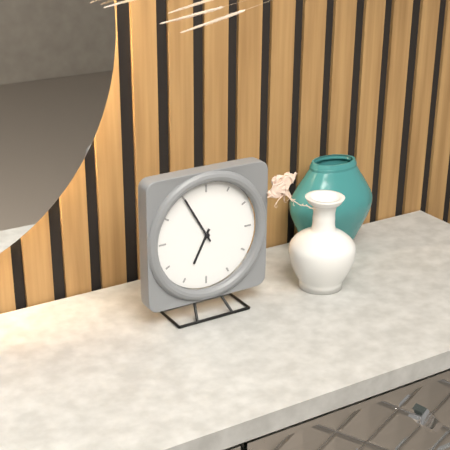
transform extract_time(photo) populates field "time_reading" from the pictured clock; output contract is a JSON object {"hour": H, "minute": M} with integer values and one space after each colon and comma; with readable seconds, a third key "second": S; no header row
{"hour": 6, "minute": 55}
